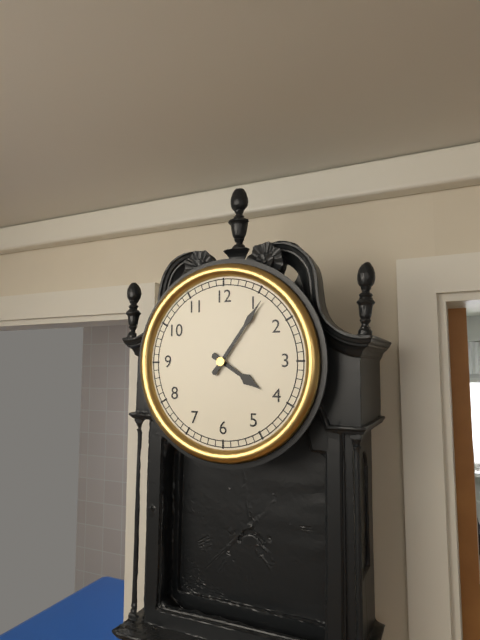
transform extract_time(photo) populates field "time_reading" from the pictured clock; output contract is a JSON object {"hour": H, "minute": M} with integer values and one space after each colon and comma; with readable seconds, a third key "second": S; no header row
{"hour": 4, "minute": 6}
